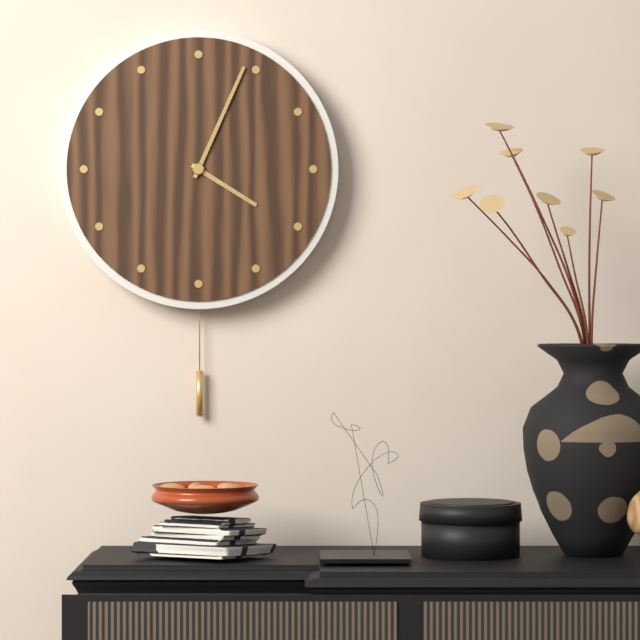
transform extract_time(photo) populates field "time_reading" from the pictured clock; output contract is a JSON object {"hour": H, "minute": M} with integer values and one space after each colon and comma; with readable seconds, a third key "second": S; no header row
{"hour": 4, "minute": 4}
